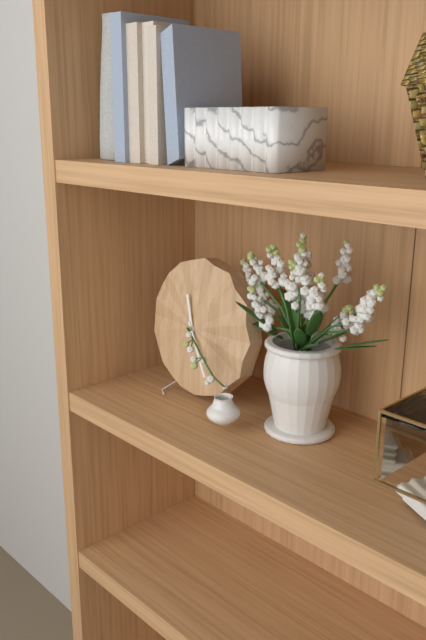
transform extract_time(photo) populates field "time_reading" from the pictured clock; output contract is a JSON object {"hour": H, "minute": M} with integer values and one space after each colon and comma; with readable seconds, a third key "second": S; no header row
{"hour": 11, "minute": 25}
